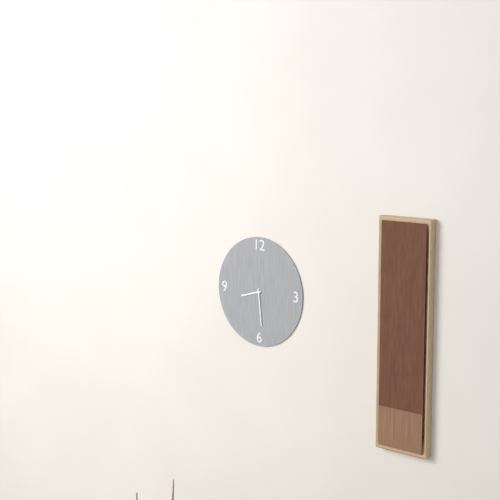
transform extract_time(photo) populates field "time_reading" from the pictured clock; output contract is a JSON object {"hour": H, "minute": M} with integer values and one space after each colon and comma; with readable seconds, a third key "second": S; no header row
{"hour": 8, "minute": 29}
